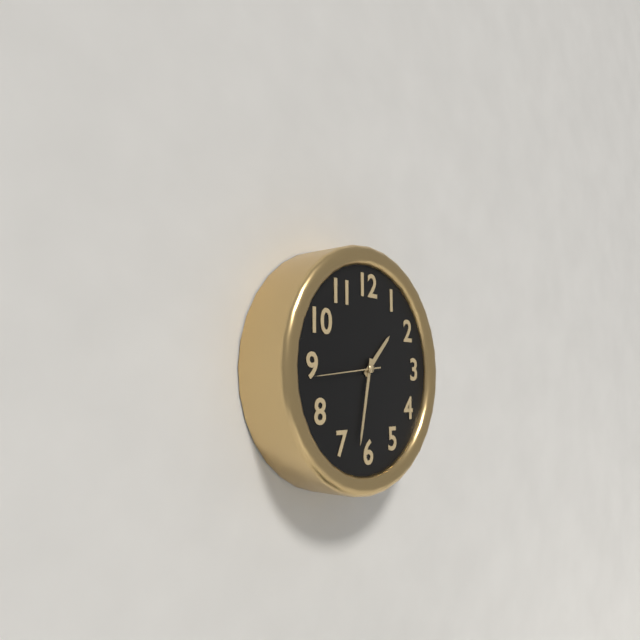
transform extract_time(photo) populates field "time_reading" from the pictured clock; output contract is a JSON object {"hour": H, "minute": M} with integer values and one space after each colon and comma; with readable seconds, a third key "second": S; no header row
{"hour": 1, "minute": 32, "second": 44}
